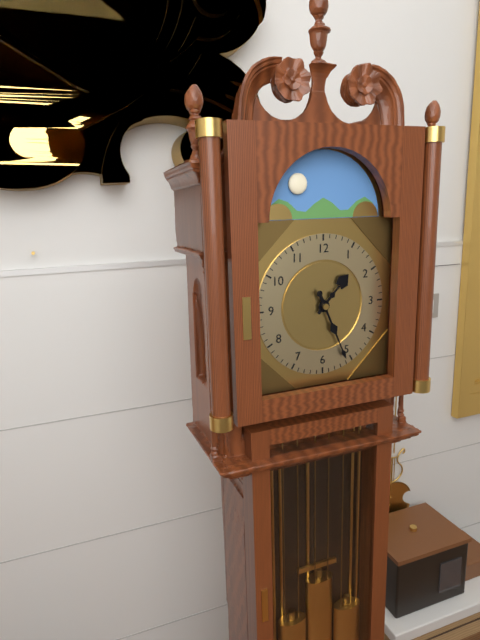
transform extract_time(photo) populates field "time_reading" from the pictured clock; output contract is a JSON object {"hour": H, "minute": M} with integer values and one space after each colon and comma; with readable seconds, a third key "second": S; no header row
{"hour": 1, "minute": 26}
